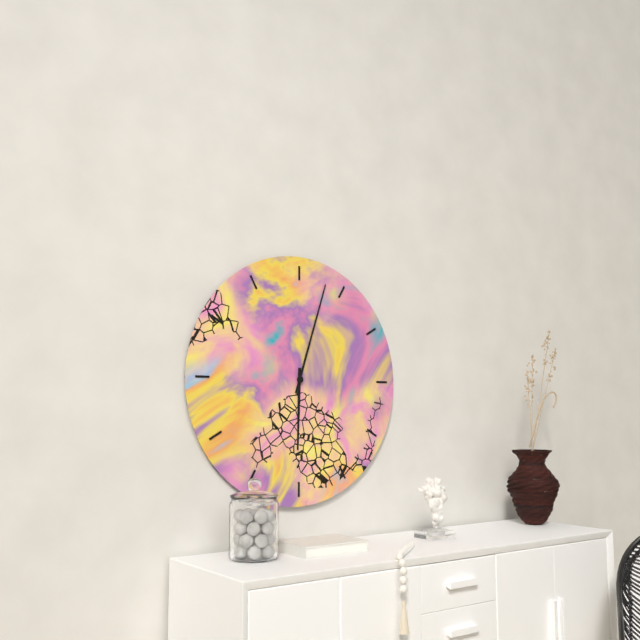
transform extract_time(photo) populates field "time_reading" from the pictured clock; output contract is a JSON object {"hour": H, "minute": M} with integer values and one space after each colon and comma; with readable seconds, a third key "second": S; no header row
{"hour": 6, "minute": 3}
